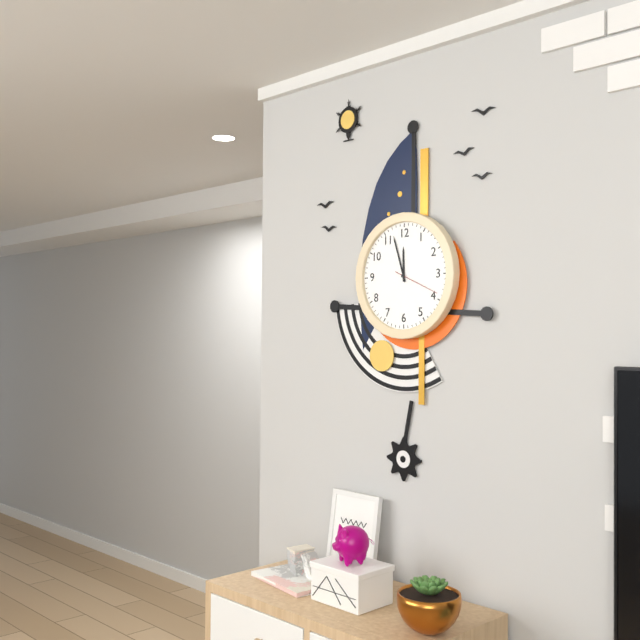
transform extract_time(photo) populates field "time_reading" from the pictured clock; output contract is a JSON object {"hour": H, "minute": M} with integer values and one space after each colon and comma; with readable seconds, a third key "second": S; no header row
{"hour": 11, "minute": 57}
